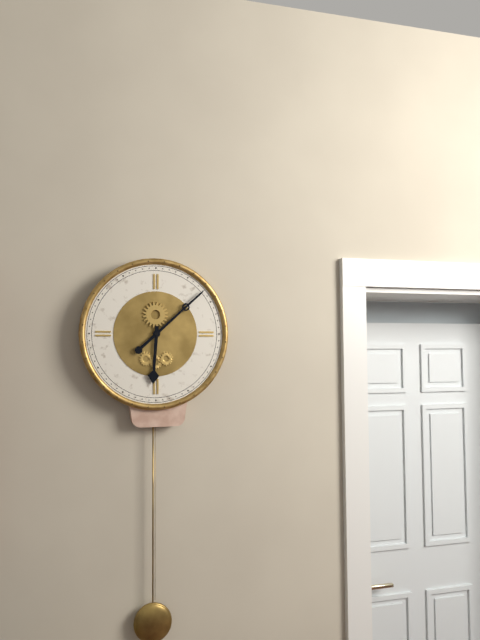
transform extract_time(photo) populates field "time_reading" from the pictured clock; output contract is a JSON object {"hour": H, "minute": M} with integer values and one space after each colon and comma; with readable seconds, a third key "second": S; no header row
{"hour": 6, "minute": 8}
